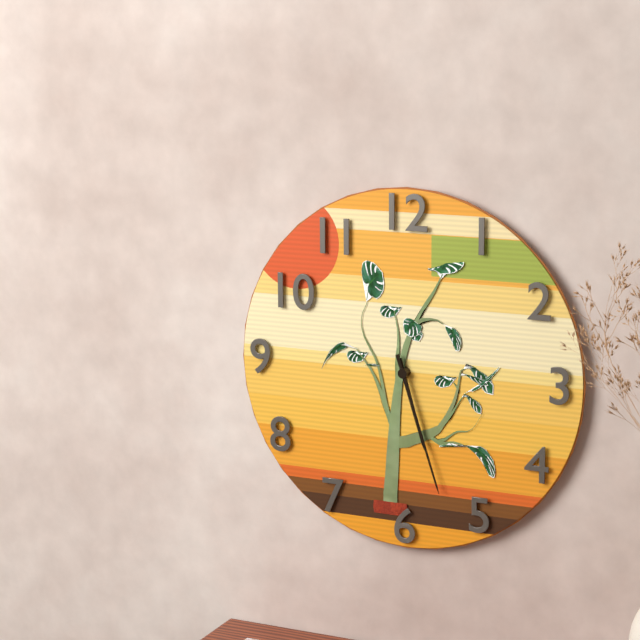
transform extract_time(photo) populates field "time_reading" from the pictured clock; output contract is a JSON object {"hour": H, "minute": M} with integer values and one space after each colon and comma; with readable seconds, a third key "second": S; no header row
{"hour": 5, "minute": 27}
